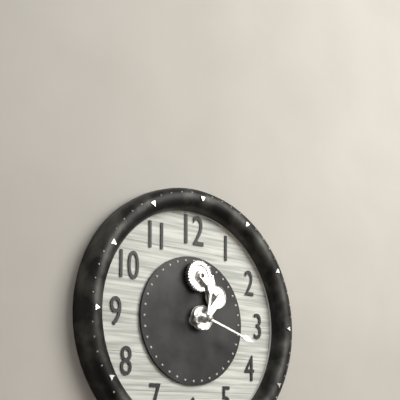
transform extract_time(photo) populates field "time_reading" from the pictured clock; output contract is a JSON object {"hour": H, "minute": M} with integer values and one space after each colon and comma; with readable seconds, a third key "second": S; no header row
{"hour": 12, "minute": 18}
